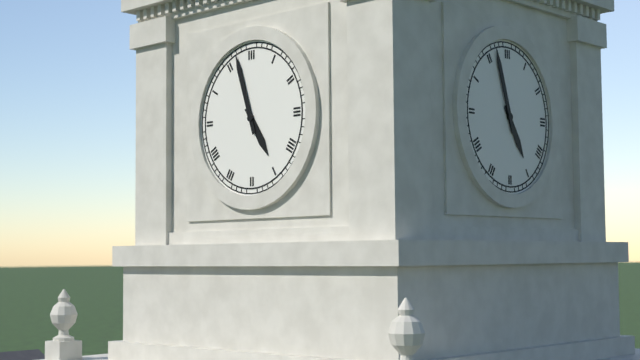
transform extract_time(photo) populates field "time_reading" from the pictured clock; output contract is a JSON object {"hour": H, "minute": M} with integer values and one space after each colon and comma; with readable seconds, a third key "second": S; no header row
{"hour": 4, "minute": 57}
